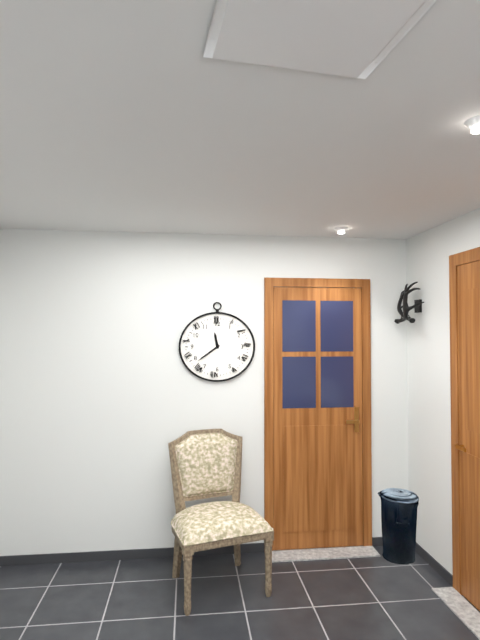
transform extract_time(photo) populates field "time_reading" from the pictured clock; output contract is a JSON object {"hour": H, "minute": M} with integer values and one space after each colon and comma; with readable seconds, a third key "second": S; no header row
{"hour": 11, "minute": 39}
